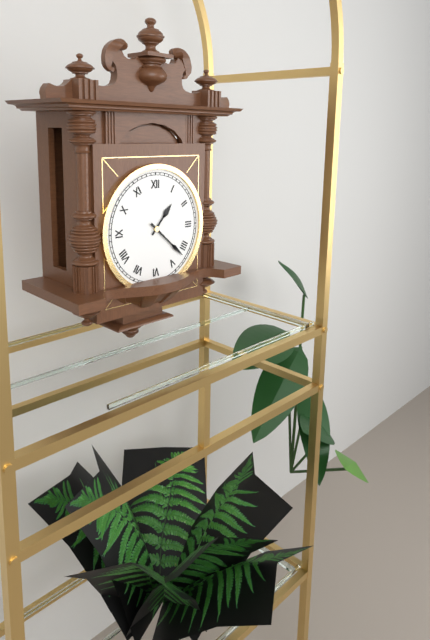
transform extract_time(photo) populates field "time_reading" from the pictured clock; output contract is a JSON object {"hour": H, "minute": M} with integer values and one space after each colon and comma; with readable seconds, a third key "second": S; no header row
{"hour": 1, "minute": 22}
